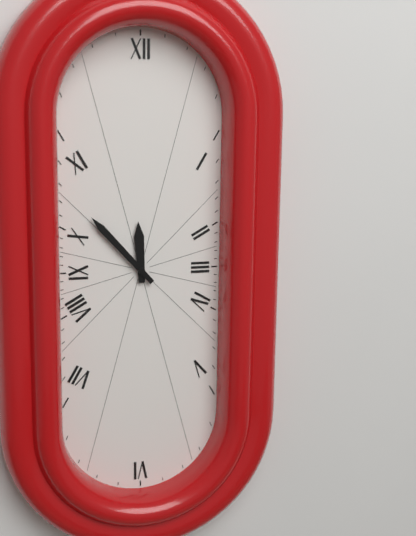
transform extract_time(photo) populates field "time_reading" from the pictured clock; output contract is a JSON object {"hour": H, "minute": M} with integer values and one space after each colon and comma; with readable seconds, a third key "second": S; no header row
{"hour": 11, "minute": 53}
